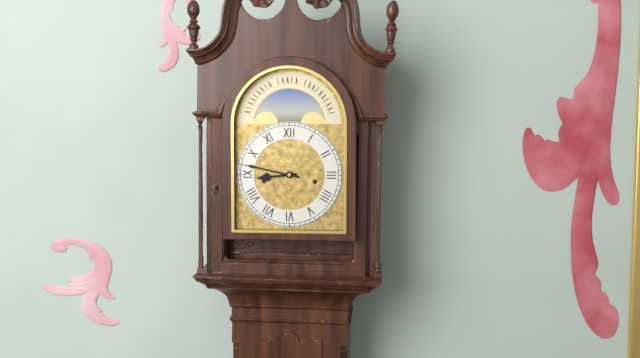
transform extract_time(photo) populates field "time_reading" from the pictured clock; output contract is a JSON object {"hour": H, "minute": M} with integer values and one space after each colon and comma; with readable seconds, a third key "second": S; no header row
{"hour": 8, "minute": 47}
